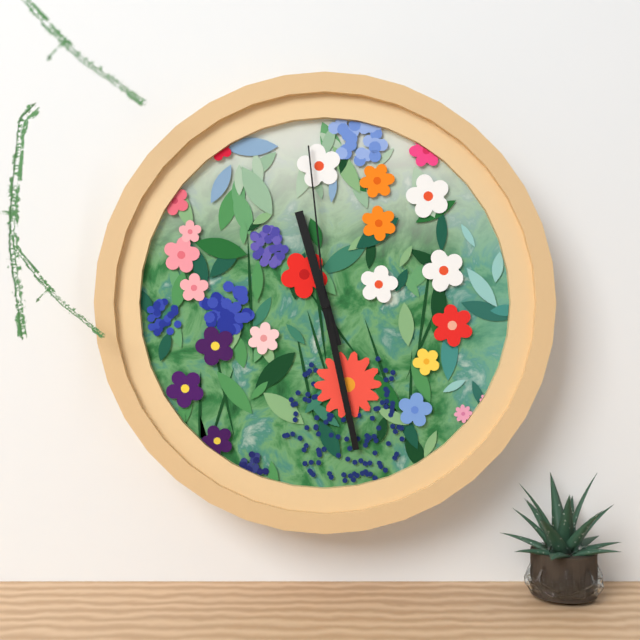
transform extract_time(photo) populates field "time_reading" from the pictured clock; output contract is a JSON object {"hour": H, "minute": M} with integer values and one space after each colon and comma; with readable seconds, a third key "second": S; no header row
{"hour": 11, "minute": 28, "second": 59}
